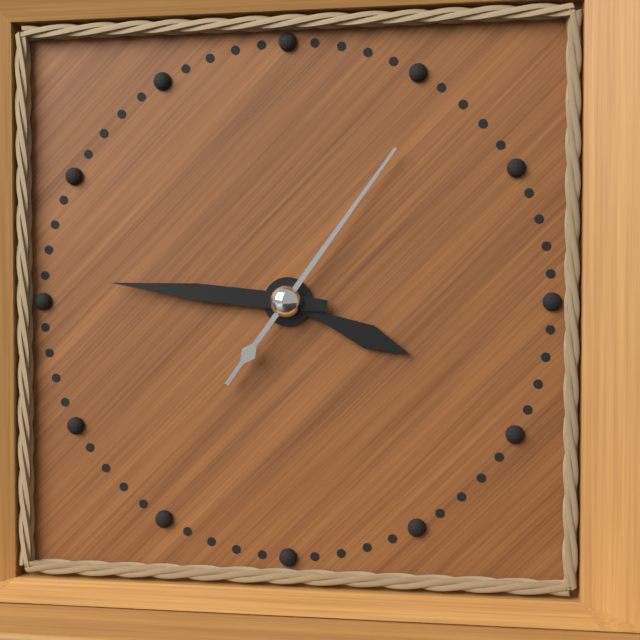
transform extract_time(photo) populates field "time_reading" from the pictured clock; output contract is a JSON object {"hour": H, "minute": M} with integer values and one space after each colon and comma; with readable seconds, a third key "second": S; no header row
{"hour": 3, "minute": 46, "second": 6}
